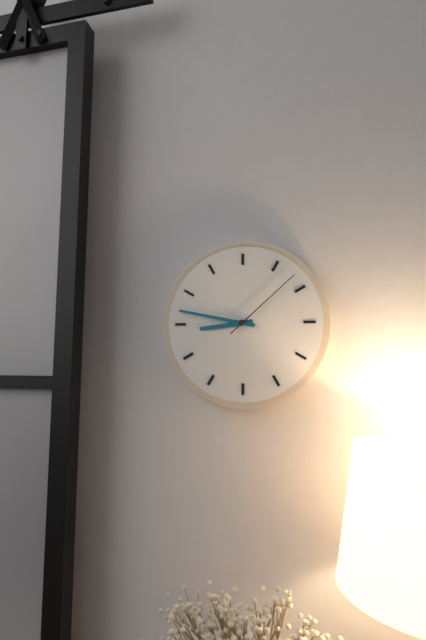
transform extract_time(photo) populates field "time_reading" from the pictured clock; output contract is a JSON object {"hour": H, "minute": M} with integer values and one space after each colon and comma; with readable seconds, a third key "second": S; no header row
{"hour": 8, "minute": 47, "second": 8}
